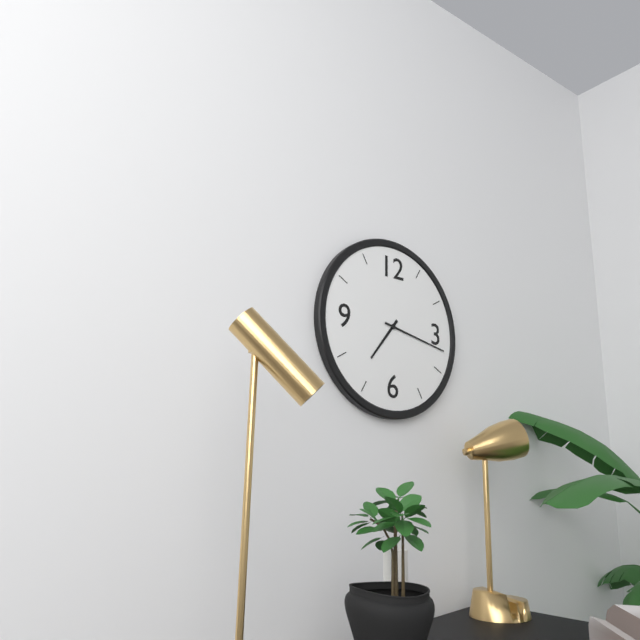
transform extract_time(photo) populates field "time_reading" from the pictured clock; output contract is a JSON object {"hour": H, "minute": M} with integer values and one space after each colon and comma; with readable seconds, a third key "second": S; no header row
{"hour": 7, "minute": 17}
